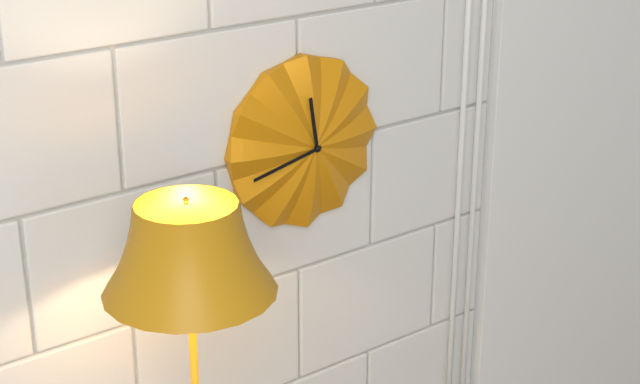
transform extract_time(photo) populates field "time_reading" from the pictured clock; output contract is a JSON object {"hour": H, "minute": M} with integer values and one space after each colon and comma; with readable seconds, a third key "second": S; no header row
{"hour": 11, "minute": 43}
